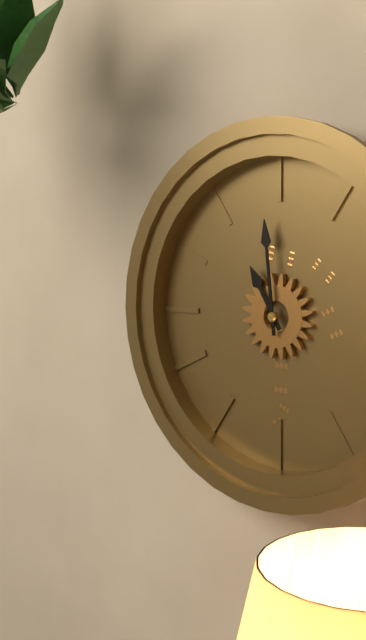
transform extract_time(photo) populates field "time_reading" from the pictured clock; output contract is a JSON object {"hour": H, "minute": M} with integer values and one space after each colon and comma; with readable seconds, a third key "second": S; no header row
{"hour": 10, "minute": 59}
